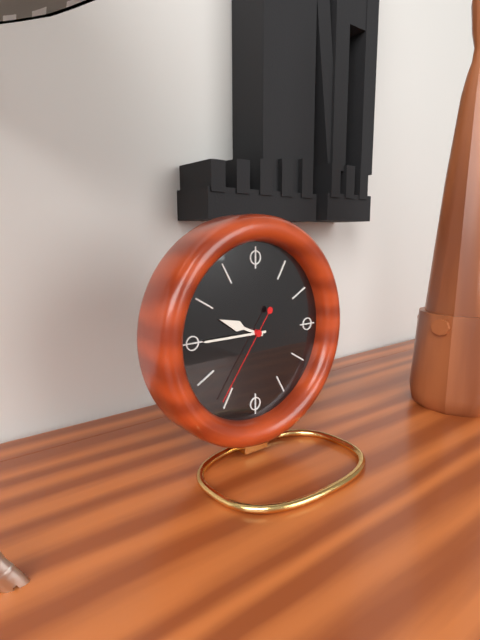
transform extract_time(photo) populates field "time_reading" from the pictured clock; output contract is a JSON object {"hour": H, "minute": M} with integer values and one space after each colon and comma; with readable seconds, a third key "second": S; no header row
{"hour": 9, "minute": 45, "second": 36}
